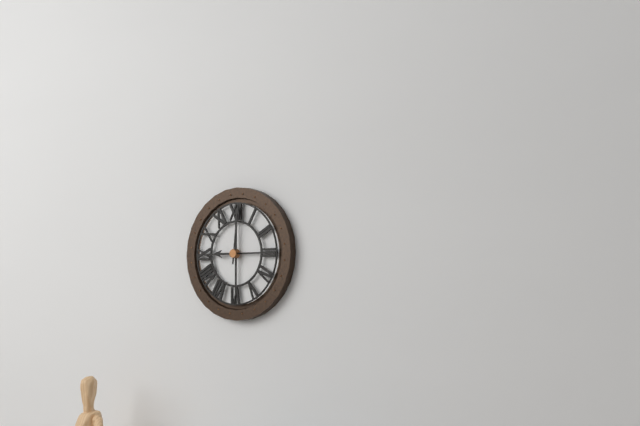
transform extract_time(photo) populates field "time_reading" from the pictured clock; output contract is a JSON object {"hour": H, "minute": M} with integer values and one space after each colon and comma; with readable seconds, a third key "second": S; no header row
{"hour": 9, "minute": 1}
